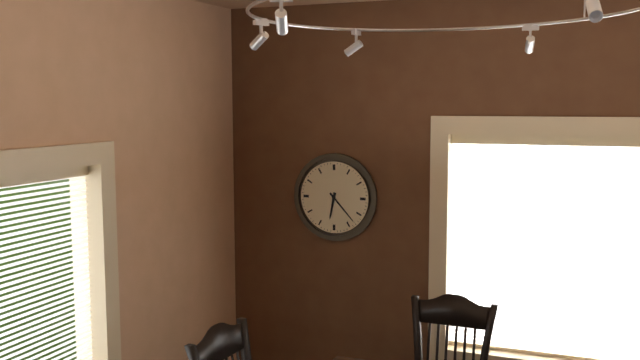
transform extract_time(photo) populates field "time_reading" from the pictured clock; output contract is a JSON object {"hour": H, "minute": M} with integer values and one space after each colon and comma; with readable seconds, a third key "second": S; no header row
{"hour": 6, "minute": 23}
